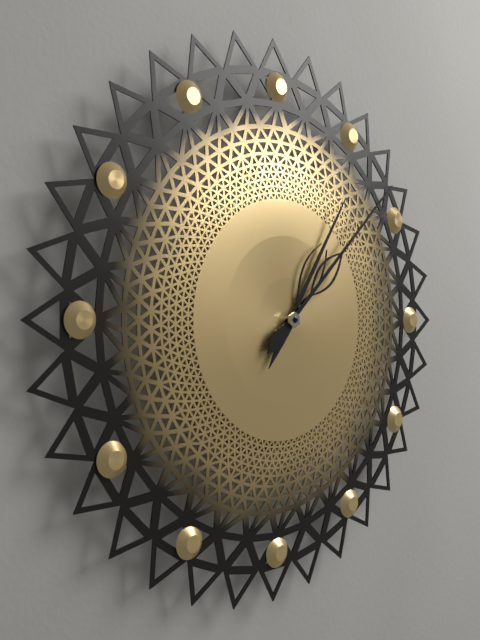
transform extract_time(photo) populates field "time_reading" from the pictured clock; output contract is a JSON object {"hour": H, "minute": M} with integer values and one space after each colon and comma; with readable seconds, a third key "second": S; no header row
{"hour": 1, "minute": 8}
